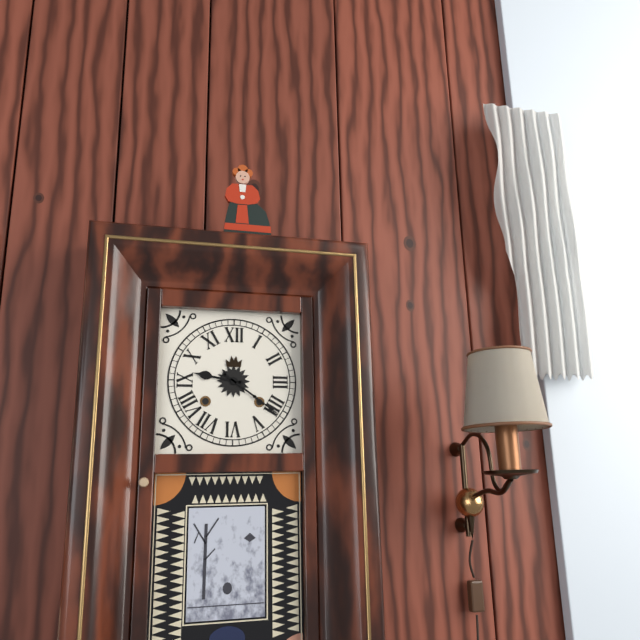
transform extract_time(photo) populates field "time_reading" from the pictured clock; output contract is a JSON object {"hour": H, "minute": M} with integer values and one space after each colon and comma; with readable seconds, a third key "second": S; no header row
{"hour": 9, "minute": 21}
